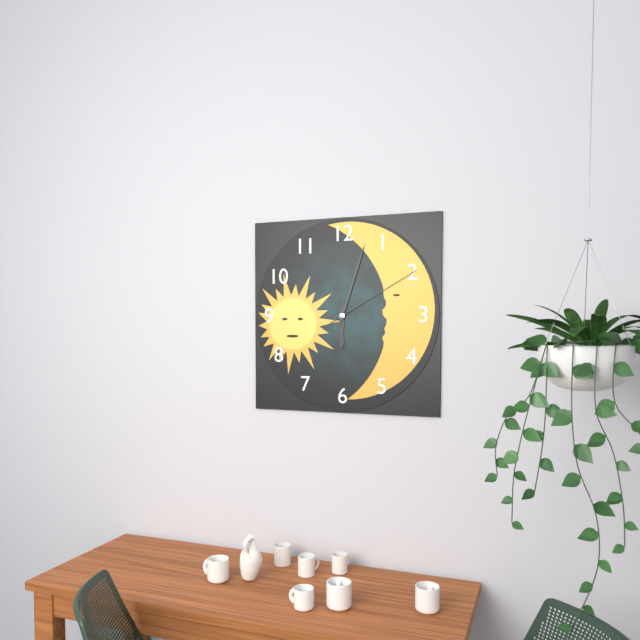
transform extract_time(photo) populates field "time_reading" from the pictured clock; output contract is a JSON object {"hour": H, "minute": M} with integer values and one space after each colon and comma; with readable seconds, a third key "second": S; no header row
{"hour": 6, "minute": 3, "second": 10}
